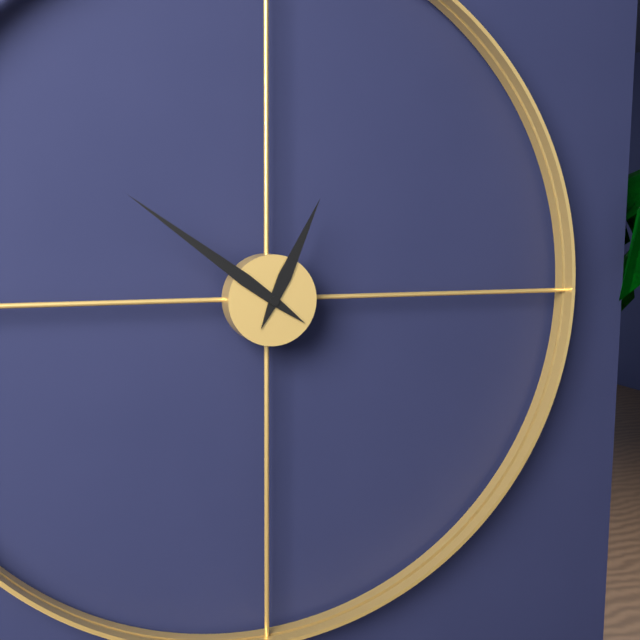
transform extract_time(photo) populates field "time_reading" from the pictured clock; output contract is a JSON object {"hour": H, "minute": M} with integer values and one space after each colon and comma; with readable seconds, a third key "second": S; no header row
{"hour": 12, "minute": 51}
